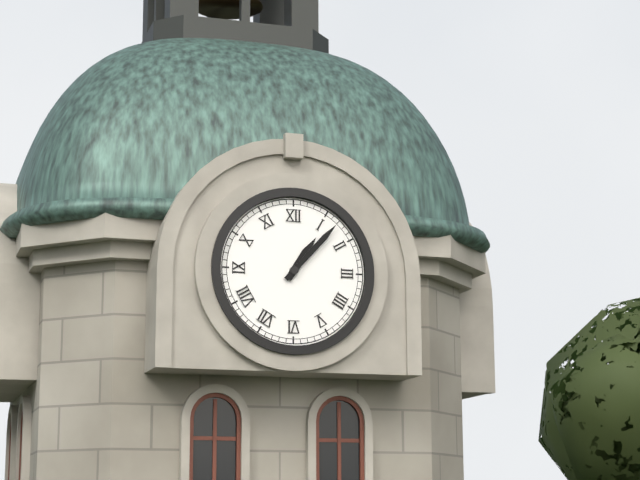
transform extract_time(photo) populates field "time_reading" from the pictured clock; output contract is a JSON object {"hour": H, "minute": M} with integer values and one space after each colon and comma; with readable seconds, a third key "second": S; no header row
{"hour": 1, "minute": 7}
